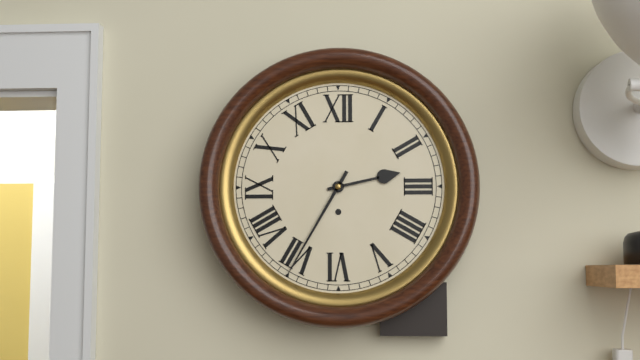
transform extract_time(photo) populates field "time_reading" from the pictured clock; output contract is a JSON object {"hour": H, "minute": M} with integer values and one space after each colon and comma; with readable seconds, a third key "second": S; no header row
{"hour": 2, "minute": 35}
